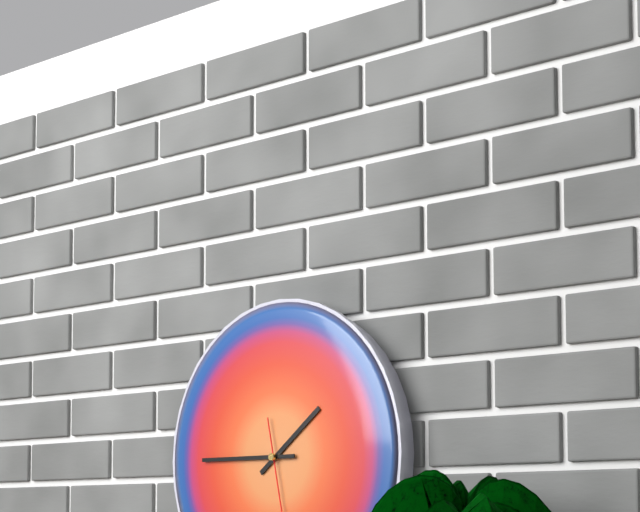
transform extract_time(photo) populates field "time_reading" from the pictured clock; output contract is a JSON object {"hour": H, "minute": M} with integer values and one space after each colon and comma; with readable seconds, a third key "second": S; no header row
{"hour": 1, "minute": 45}
